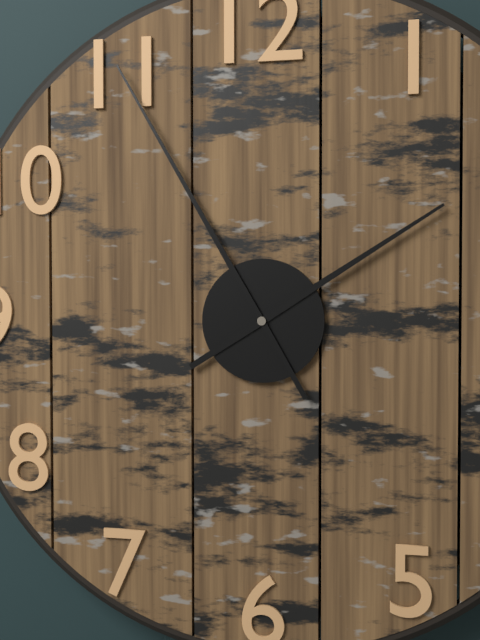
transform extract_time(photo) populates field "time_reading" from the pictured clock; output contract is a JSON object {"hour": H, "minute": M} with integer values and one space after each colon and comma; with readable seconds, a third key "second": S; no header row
{"hour": 1, "minute": 55}
